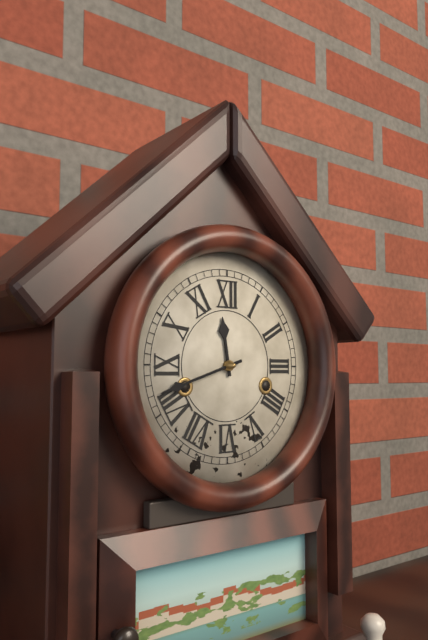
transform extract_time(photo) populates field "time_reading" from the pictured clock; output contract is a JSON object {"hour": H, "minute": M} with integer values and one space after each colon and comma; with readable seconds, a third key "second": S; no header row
{"hour": 11, "minute": 42}
